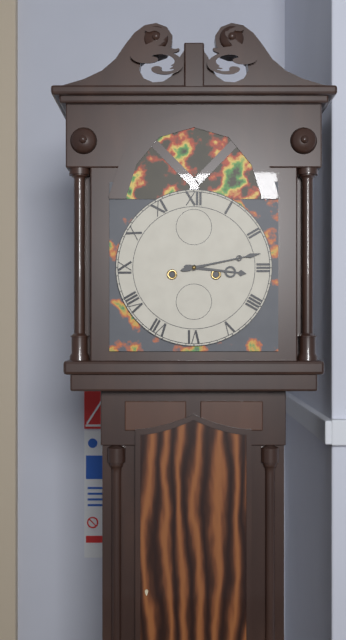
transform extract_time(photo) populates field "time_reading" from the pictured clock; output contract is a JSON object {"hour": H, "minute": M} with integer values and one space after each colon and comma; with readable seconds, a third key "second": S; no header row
{"hour": 3, "minute": 13}
